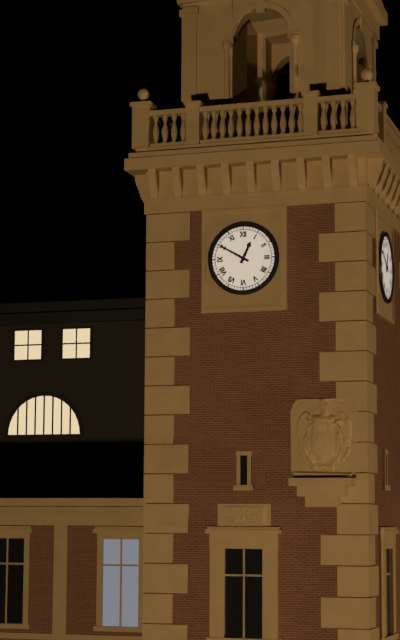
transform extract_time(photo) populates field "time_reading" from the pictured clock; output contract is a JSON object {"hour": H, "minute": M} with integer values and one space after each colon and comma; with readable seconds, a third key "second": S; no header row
{"hour": 12, "minute": 50}
